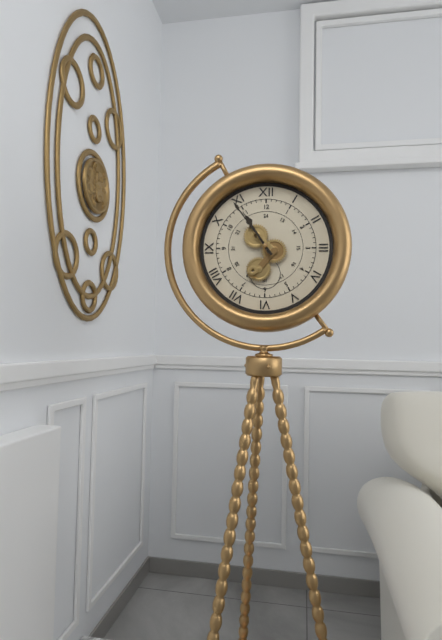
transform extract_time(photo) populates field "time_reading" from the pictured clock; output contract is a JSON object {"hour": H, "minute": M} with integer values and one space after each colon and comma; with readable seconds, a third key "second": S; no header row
{"hour": 10, "minute": 54}
